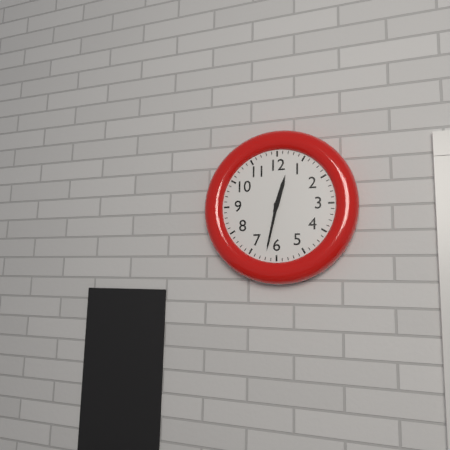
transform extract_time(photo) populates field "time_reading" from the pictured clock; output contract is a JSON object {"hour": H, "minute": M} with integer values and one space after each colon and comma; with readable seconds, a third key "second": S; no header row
{"hour": 12, "minute": 32}
